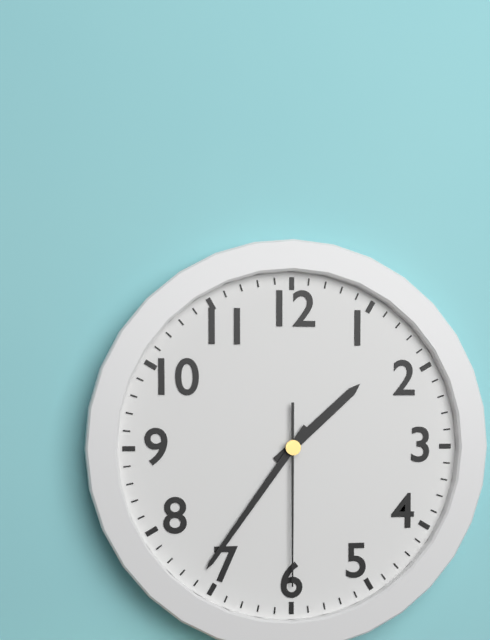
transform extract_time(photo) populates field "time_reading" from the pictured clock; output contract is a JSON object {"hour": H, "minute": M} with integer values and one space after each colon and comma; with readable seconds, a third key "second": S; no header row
{"hour": 1, "minute": 36, "second": 30}
